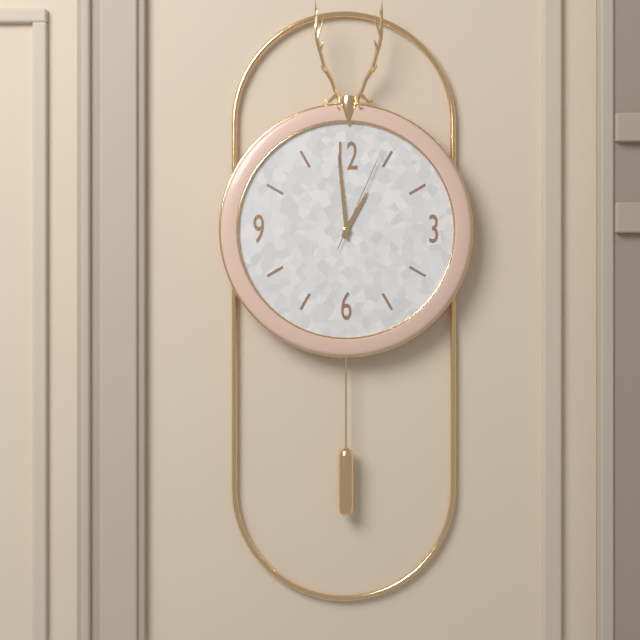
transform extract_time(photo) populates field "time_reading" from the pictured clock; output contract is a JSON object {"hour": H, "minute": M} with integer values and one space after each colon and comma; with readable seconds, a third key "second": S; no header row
{"hour": 12, "minute": 59, "second": 4}
